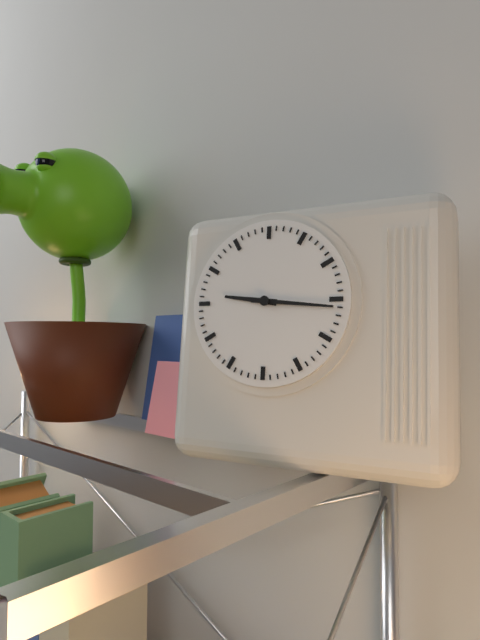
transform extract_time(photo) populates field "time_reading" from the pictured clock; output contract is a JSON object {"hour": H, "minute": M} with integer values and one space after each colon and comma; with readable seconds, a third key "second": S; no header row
{"hour": 9, "minute": 16}
